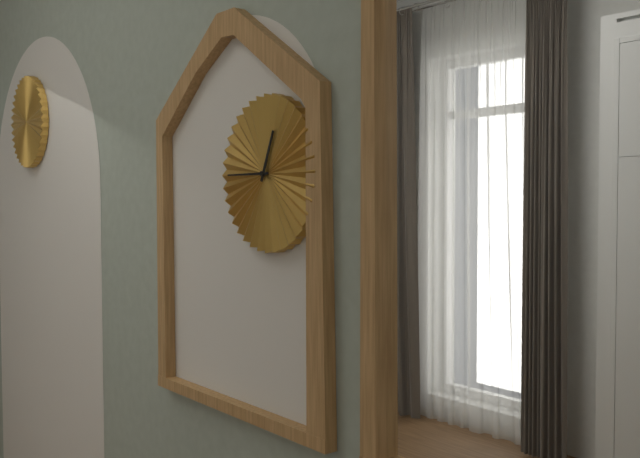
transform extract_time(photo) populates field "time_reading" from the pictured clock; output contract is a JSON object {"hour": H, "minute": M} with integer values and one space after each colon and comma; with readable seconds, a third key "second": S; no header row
{"hour": 12, "minute": 45}
